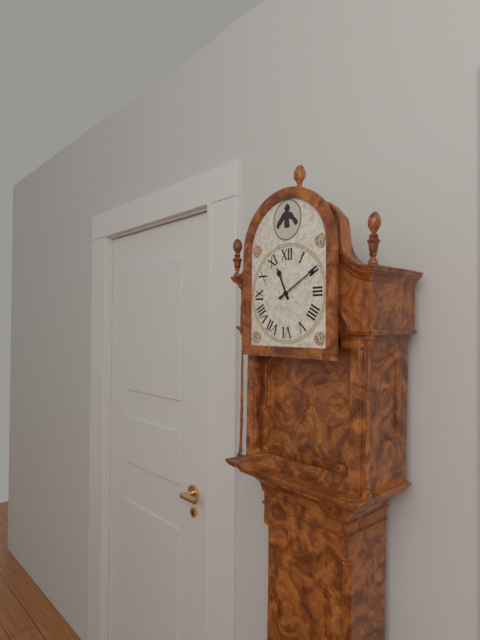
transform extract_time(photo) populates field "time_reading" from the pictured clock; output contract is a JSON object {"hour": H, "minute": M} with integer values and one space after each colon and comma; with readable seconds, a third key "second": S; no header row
{"hour": 11, "minute": 10}
